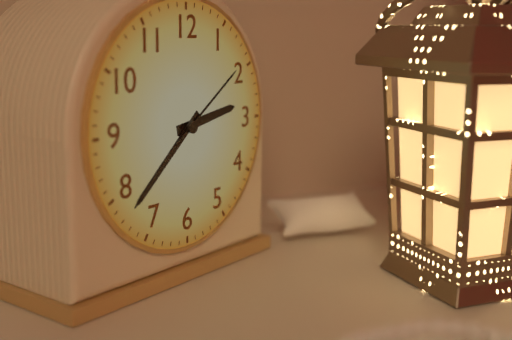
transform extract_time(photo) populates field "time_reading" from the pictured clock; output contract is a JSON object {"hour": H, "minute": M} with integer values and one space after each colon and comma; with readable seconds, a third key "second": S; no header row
{"hour": 2, "minute": 38, "second": 9}
